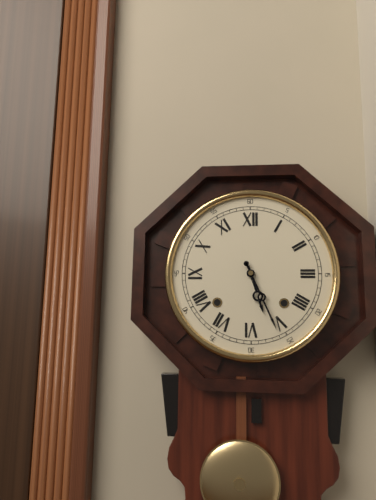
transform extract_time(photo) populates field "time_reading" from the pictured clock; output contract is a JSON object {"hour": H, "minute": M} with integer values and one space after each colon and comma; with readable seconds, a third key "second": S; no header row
{"hour": 5, "minute": 26}
